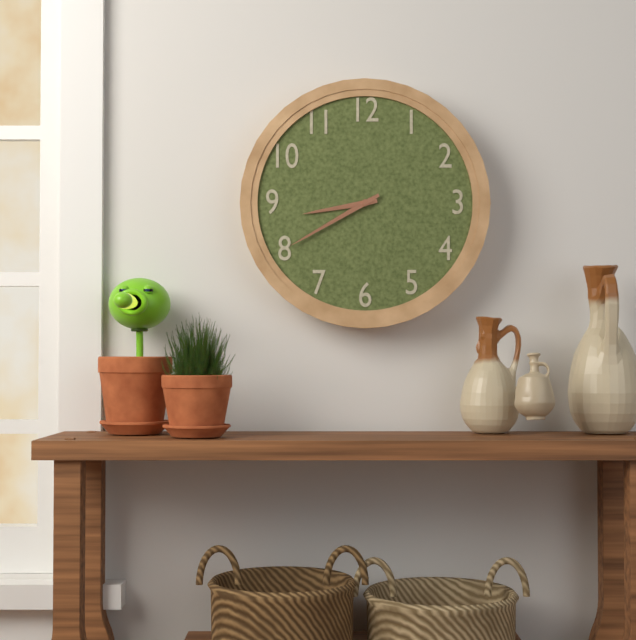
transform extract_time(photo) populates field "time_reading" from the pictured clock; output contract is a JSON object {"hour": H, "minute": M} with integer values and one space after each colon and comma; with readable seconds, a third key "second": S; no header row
{"hour": 8, "minute": 40}
